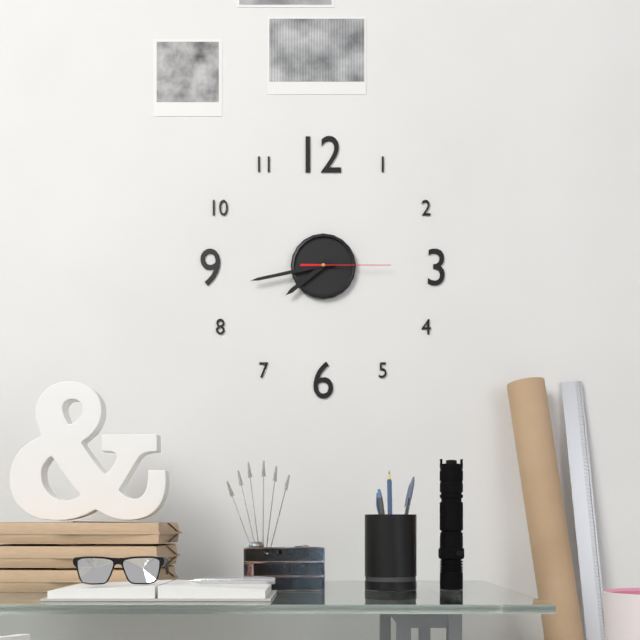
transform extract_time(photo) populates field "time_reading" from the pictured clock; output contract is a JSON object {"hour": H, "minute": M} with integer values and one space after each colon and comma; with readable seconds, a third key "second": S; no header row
{"hour": 7, "minute": 43, "second": 15}
